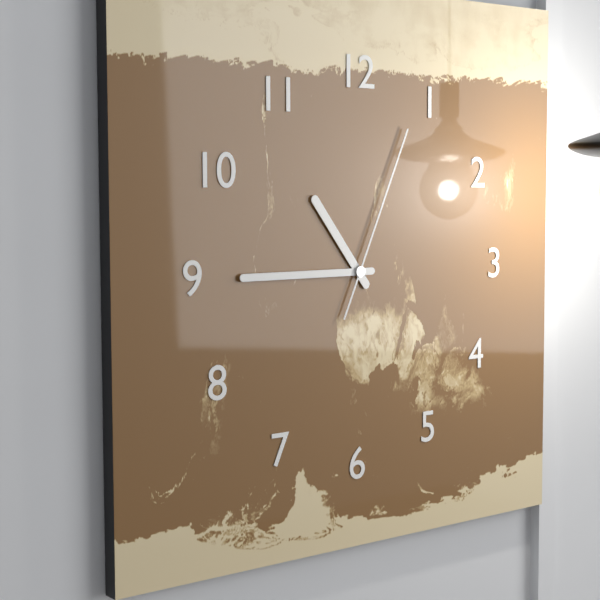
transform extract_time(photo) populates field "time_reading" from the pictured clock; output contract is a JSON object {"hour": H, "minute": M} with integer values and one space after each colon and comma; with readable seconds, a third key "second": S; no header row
{"hour": 10, "minute": 45, "second": 4}
